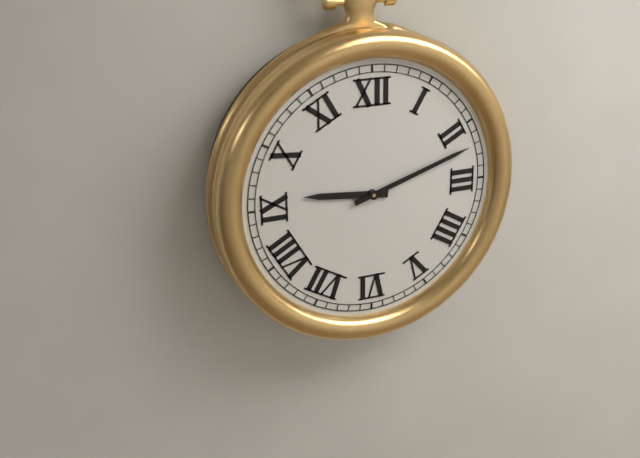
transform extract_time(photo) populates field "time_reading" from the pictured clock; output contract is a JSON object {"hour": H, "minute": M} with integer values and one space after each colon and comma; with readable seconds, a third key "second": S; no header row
{"hour": 9, "minute": 12}
